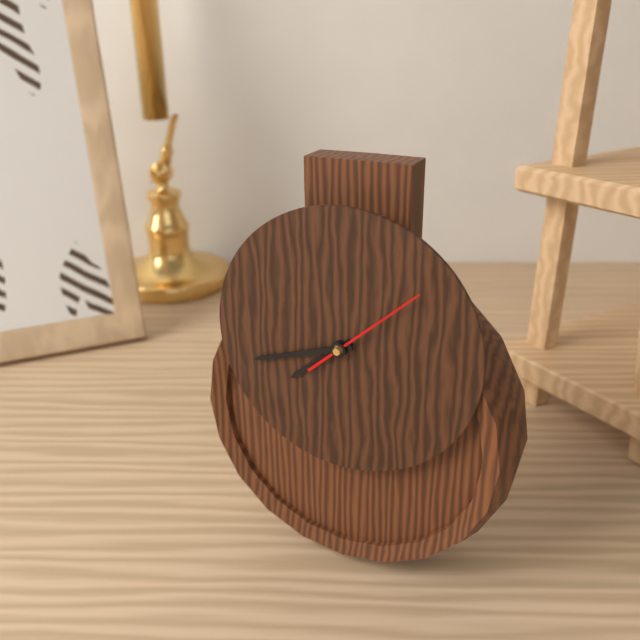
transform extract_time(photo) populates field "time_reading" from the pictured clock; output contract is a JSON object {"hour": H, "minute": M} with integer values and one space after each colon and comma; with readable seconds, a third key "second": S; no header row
{"hour": 7, "minute": 42, "second": 8}
